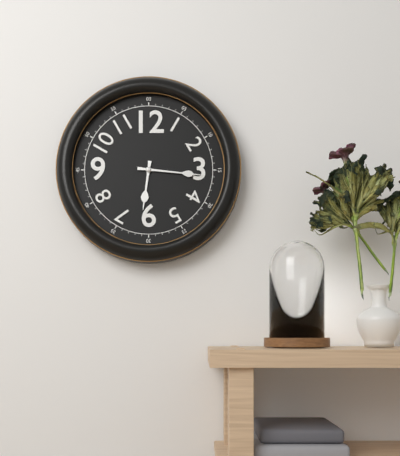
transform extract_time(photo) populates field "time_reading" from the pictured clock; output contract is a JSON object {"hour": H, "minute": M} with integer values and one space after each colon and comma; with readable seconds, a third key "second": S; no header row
{"hour": 6, "minute": 16}
